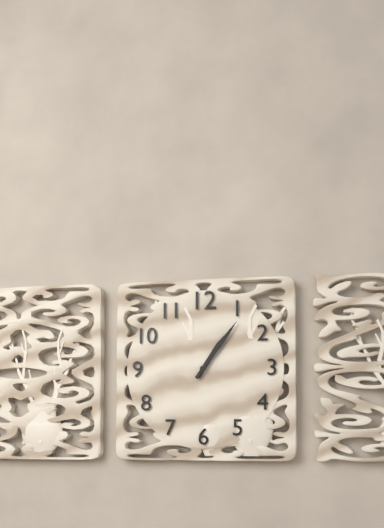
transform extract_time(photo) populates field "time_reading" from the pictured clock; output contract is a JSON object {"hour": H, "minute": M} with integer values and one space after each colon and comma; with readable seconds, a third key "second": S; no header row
{"hour": 1, "minute": 6}
